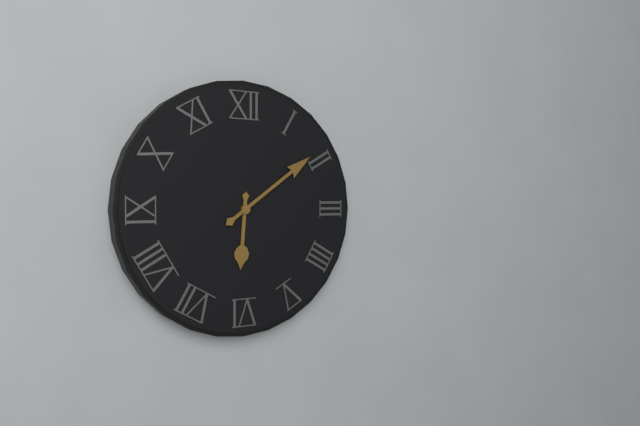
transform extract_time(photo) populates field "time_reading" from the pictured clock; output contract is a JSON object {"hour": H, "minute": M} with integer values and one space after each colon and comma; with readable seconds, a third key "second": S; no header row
{"hour": 6, "minute": 9}
